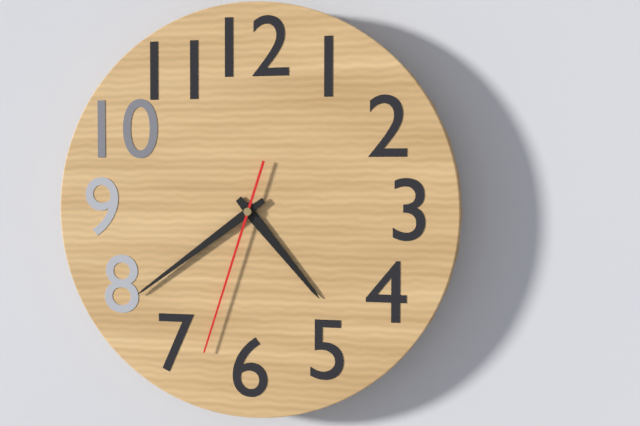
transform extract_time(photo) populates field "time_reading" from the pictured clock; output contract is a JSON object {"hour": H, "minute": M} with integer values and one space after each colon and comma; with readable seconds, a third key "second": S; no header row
{"hour": 4, "minute": 39, "second": 33}
